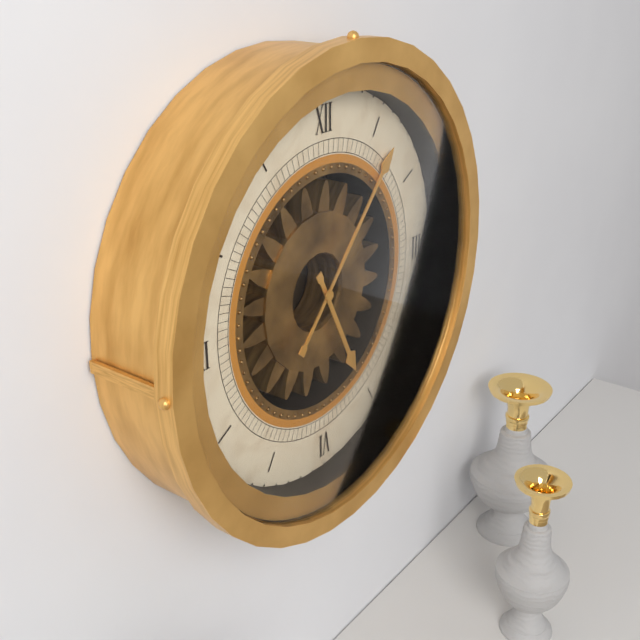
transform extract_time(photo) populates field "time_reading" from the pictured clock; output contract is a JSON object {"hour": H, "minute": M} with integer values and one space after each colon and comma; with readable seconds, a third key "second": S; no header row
{"hour": 5, "minute": 7}
